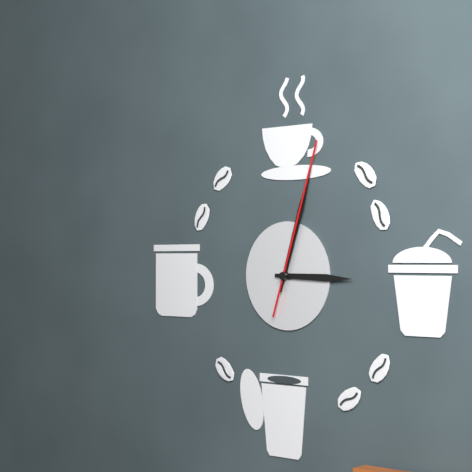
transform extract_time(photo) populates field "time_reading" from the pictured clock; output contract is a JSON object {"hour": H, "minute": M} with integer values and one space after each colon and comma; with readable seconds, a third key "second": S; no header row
{"hour": 3, "minute": 3, "second": 3}
